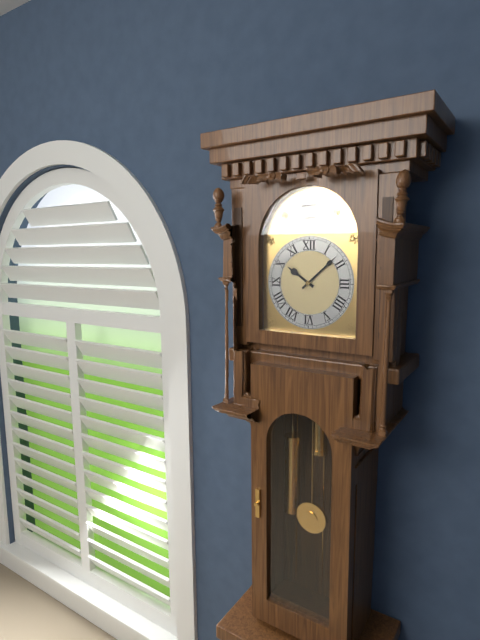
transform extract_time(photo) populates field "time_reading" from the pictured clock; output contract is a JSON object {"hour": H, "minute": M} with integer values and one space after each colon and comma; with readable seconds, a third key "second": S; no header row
{"hour": 10, "minute": 8}
